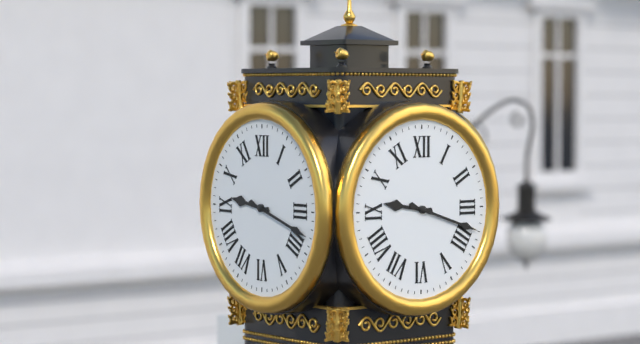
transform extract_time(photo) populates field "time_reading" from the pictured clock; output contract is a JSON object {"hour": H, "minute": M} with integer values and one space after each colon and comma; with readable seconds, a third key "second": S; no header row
{"hour": 9, "minute": 18}
